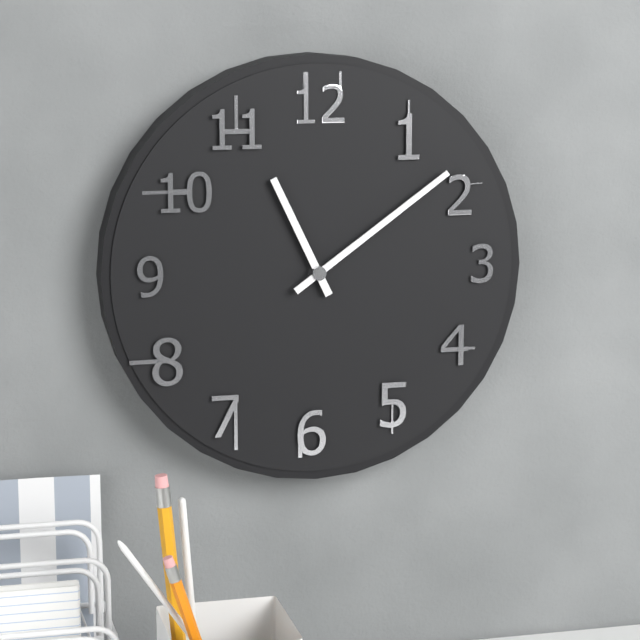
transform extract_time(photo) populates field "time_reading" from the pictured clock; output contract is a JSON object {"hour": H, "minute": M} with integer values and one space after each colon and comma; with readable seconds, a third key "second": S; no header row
{"hour": 11, "minute": 9}
